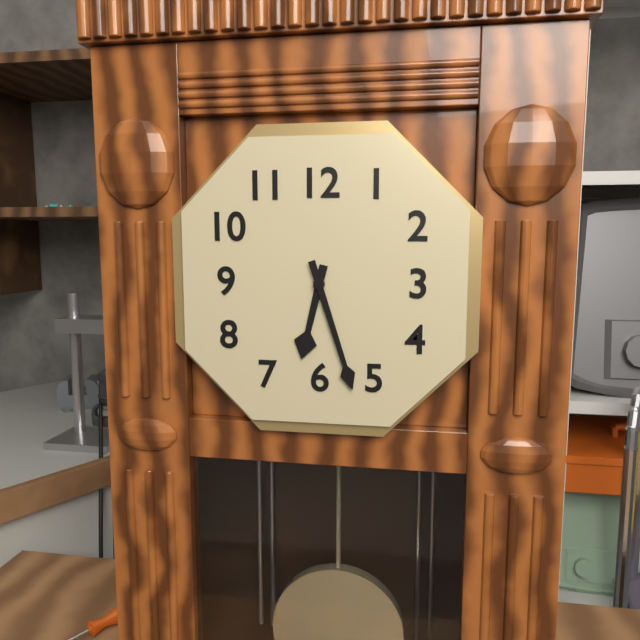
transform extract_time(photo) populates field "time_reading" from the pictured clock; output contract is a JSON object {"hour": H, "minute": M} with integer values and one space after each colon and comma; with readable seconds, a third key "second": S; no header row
{"hour": 6, "minute": 27}
